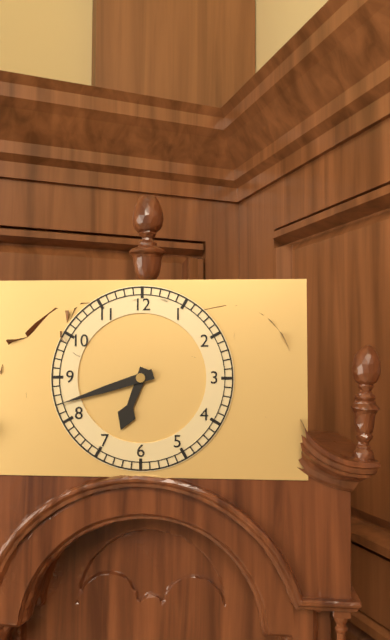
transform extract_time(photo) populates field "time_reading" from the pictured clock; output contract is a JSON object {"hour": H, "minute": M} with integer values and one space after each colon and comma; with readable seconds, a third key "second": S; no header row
{"hour": 6, "minute": 42}
